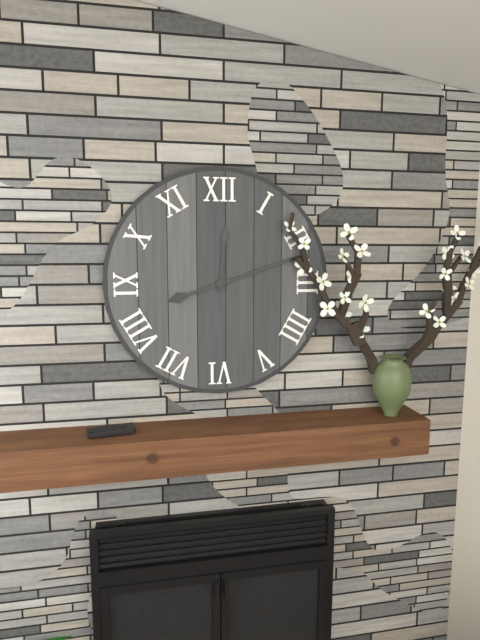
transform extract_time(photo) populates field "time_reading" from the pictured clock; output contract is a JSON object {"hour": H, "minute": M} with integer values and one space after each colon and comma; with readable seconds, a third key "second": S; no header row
{"hour": 12, "minute": 12}
